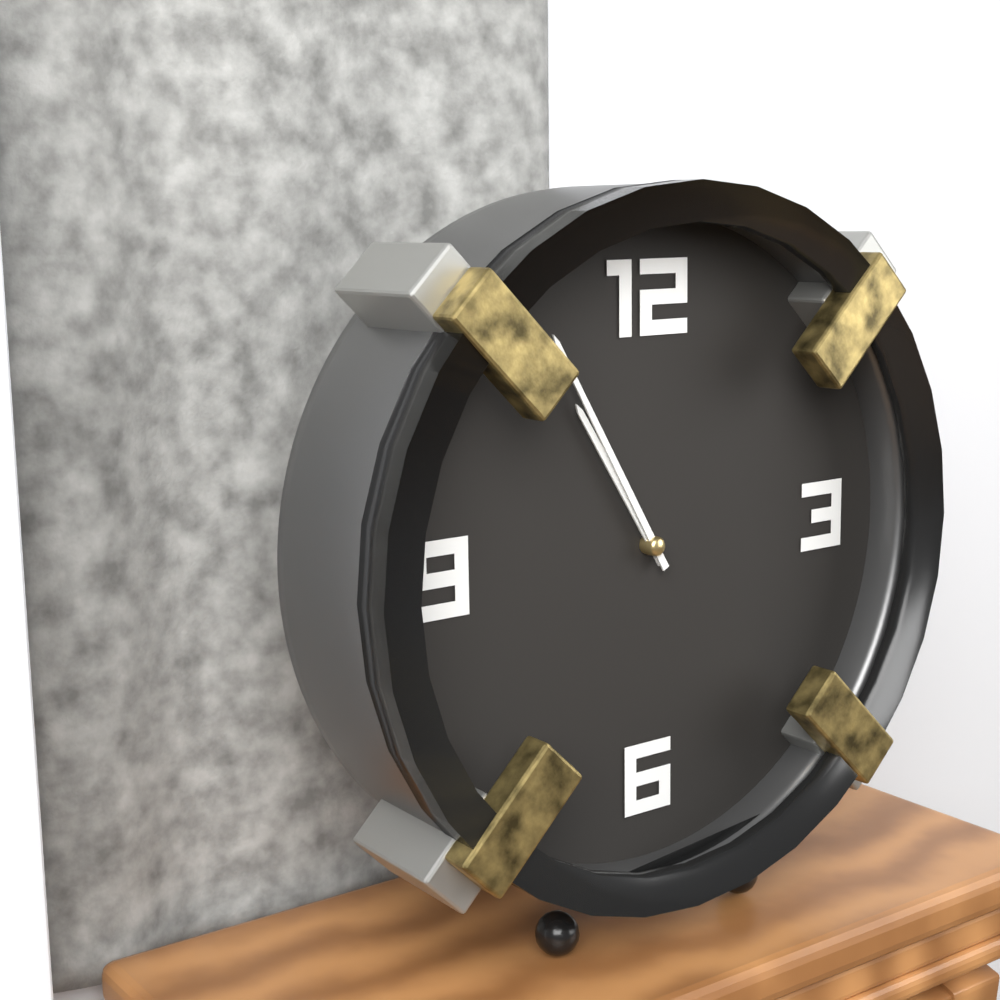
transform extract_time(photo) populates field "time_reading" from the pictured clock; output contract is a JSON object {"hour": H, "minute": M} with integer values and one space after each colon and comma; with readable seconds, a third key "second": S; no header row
{"hour": 10, "minute": 55}
